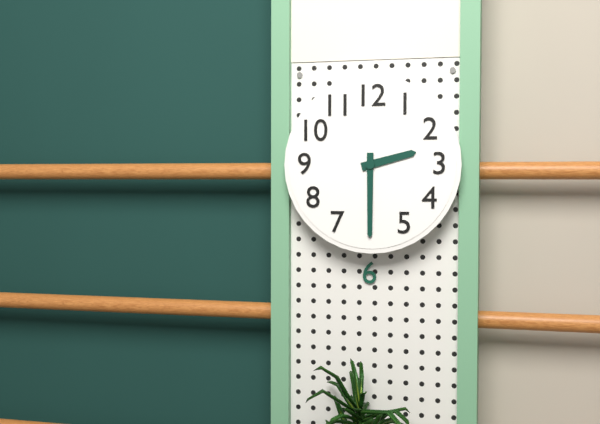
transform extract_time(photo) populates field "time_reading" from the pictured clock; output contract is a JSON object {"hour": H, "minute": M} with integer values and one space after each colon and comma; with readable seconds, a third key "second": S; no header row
{"hour": 2, "minute": 30}
